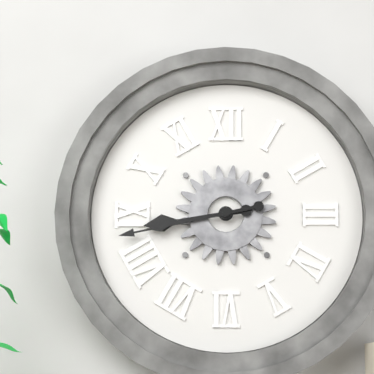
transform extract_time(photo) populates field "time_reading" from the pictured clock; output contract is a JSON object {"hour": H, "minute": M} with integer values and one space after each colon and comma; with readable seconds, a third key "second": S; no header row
{"hour": 8, "minute": 43}
